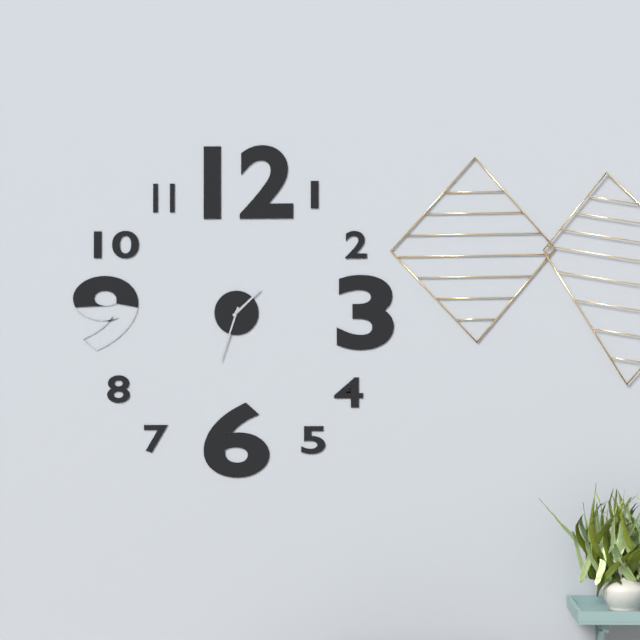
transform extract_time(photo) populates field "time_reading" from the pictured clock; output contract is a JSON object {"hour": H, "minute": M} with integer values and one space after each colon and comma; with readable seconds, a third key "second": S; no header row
{"hour": 1, "minute": 33}
